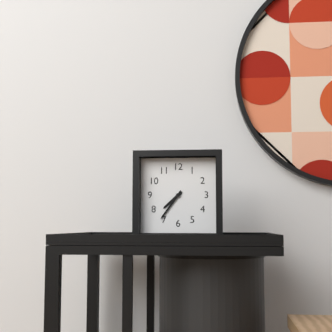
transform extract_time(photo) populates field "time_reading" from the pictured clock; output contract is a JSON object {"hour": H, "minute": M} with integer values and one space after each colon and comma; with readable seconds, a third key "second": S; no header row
{"hour": 7, "minute": 36}
